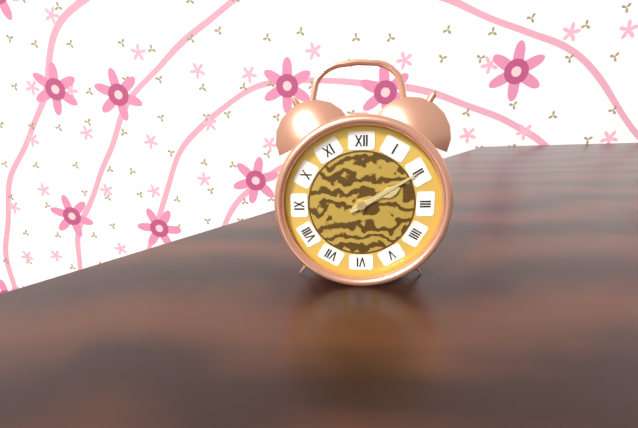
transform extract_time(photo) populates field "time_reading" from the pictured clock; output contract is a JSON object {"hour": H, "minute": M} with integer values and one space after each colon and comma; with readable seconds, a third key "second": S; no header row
{"hour": 2, "minute": 10}
